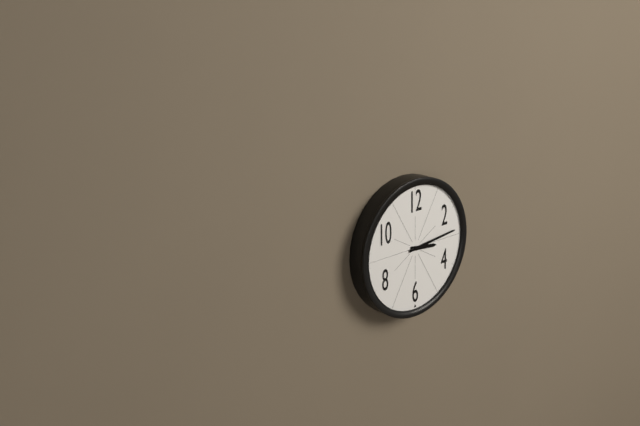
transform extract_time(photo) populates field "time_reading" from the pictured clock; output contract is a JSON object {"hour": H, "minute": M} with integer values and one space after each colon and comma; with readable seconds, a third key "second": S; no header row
{"hour": 3, "minute": 14}
